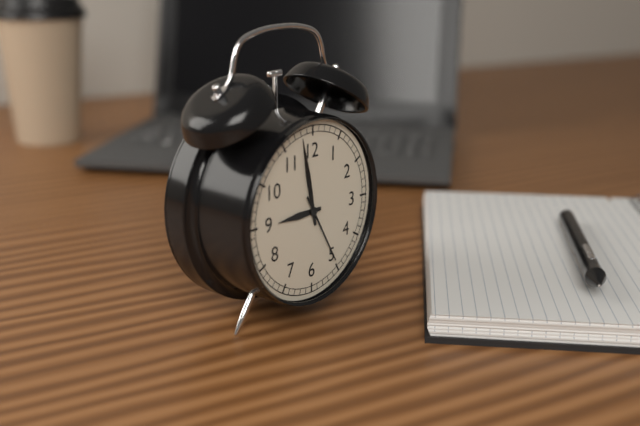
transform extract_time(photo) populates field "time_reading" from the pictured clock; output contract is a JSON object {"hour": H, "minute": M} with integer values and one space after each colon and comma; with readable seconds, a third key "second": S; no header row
{"hour": 8, "minute": 58, "second": 25}
